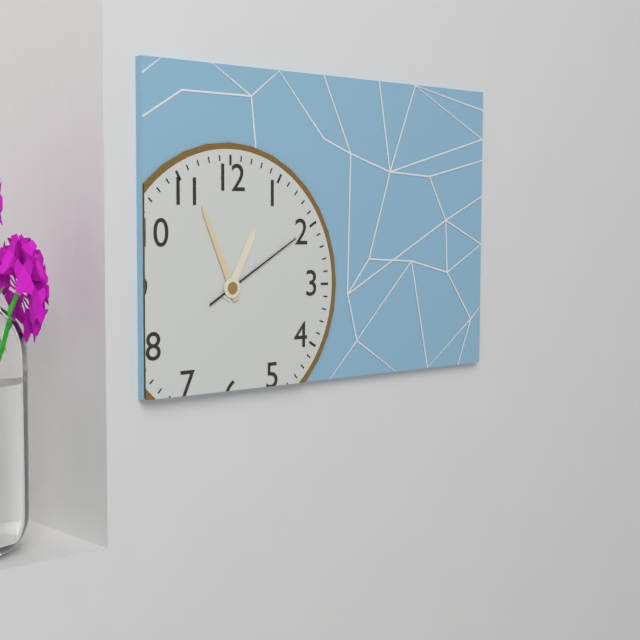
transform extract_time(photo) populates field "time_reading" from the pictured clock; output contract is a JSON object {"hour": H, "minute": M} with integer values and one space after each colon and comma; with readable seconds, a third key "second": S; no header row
{"hour": 12, "minute": 56, "second": 10}
